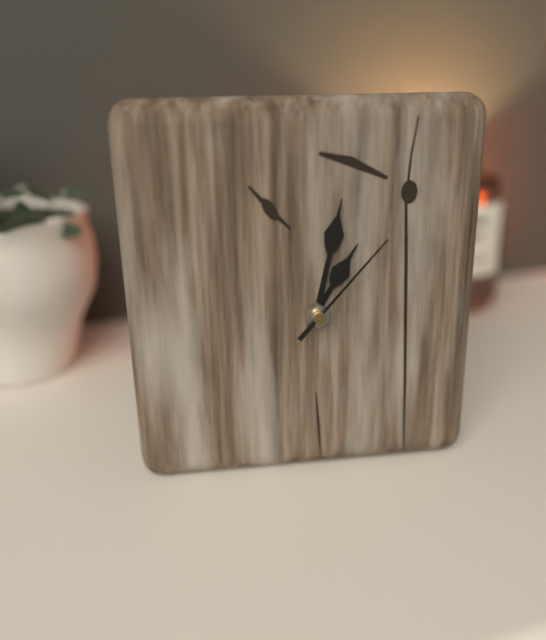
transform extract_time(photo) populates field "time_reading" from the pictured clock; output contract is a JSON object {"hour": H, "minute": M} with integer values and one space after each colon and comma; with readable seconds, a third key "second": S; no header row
{"hour": 1, "minute": 2, "second": 7}
